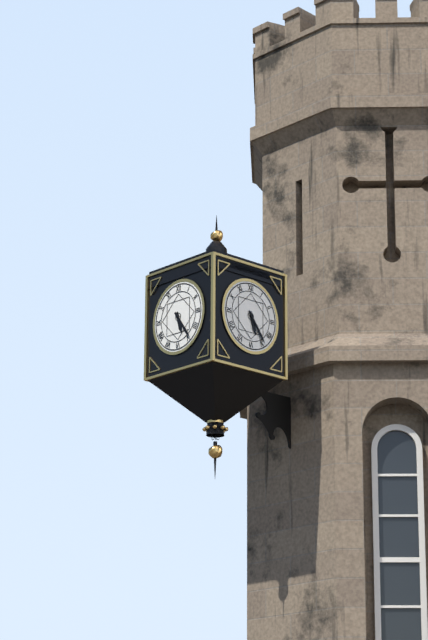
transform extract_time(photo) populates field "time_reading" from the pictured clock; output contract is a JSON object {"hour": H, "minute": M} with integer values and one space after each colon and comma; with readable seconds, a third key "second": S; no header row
{"hour": 5, "minute": 24}
